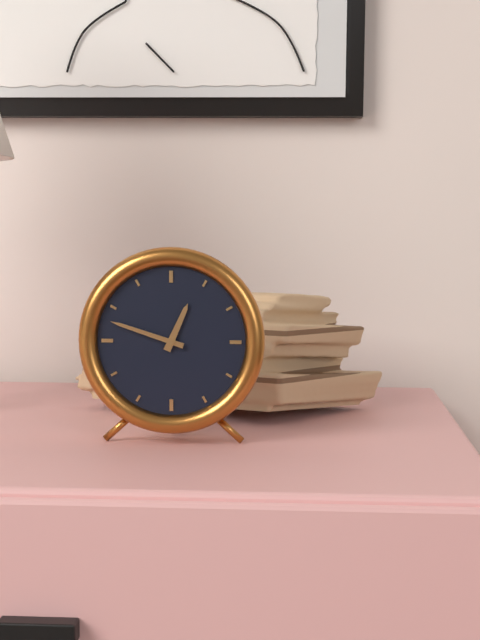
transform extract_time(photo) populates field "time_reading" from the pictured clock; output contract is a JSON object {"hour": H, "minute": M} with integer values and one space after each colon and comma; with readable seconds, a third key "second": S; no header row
{"hour": 12, "minute": 48}
